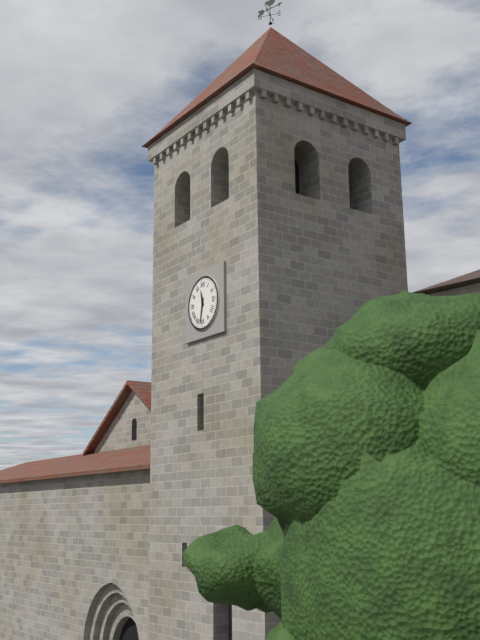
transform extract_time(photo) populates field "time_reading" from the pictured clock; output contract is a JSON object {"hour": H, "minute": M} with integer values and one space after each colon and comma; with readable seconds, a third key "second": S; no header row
{"hour": 11, "minute": 32}
